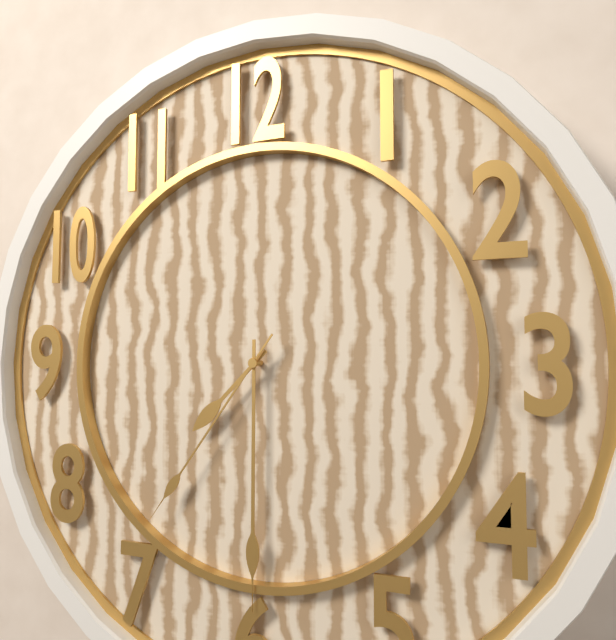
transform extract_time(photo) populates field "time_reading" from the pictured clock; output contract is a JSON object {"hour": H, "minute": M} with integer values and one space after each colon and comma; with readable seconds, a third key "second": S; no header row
{"hour": 7, "minute": 30, "second": 36}
